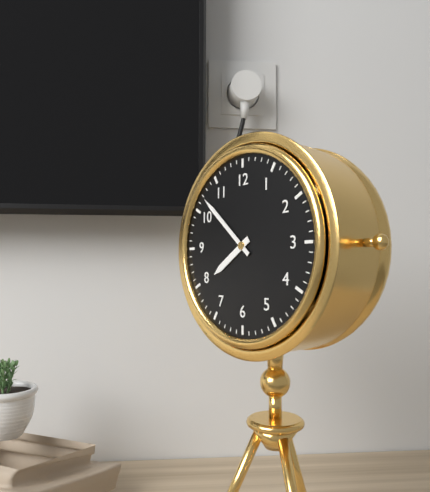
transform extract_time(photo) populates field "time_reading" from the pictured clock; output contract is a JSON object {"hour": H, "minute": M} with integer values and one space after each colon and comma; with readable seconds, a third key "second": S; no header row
{"hour": 7, "minute": 52}
